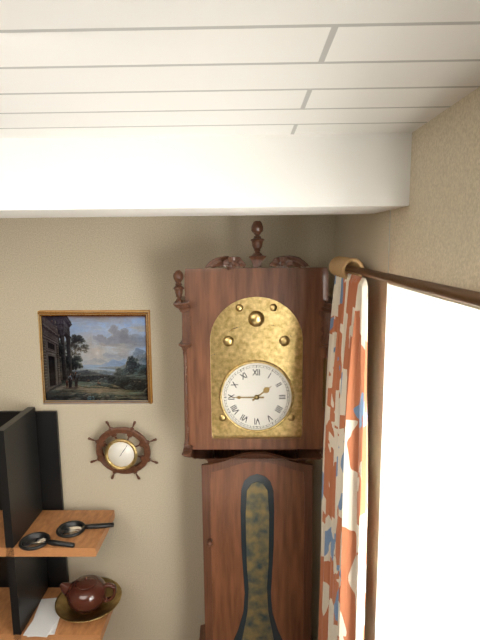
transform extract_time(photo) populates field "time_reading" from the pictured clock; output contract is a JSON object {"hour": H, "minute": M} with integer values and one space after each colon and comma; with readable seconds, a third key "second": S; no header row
{"hour": 1, "minute": 45}
